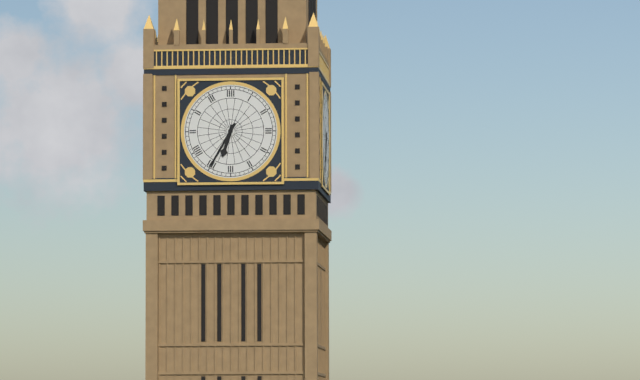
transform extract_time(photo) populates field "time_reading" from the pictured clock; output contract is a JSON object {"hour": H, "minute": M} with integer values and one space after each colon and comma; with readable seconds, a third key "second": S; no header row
{"hour": 6, "minute": 35}
